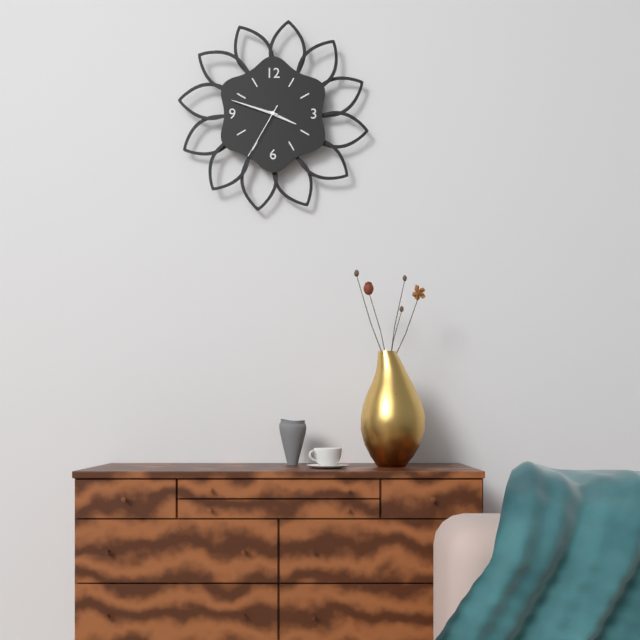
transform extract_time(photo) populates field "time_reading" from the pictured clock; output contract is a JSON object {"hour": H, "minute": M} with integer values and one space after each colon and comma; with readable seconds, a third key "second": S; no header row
{"hour": 3, "minute": 48, "second": 35}
